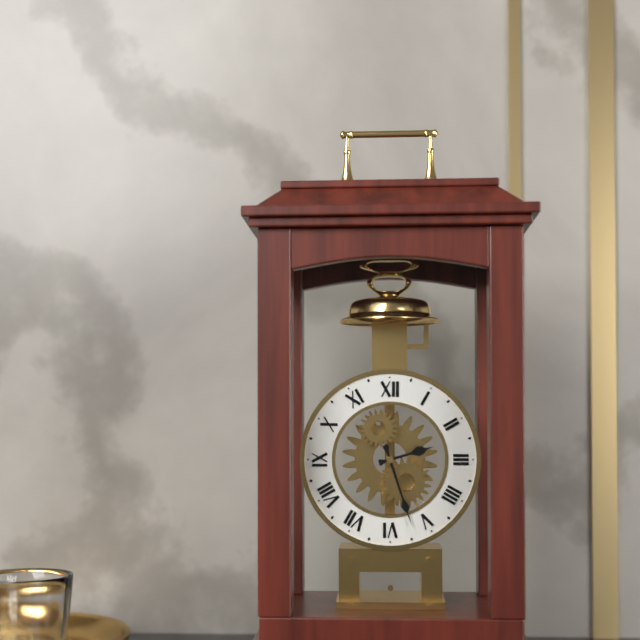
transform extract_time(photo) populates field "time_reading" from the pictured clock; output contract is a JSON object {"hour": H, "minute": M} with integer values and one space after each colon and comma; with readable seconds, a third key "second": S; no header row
{"hour": 2, "minute": 27}
